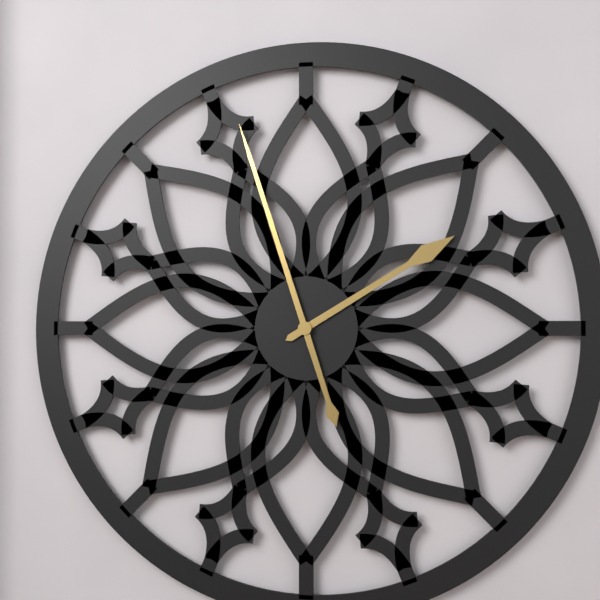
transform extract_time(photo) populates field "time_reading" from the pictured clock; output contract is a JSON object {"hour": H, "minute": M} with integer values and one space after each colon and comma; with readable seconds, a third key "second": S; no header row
{"hour": 1, "minute": 57}
